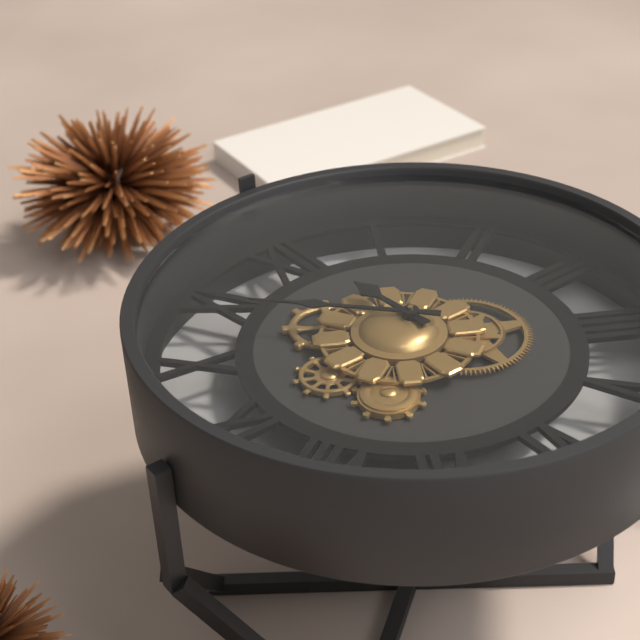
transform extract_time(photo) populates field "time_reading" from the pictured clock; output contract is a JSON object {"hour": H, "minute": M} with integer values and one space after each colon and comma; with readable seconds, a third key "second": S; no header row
{"hour": 11, "minute": 53}
